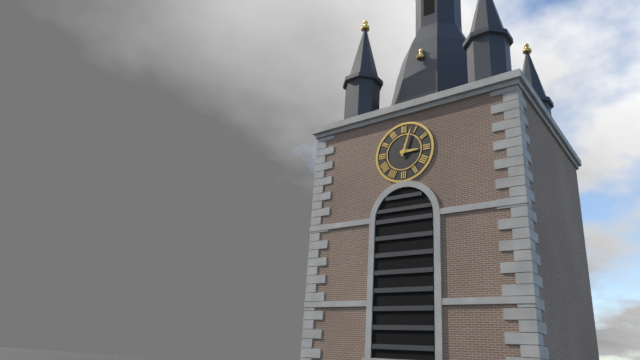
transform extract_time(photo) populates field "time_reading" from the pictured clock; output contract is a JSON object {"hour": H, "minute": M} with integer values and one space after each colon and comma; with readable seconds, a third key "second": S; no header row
{"hour": 3, "minute": 3}
